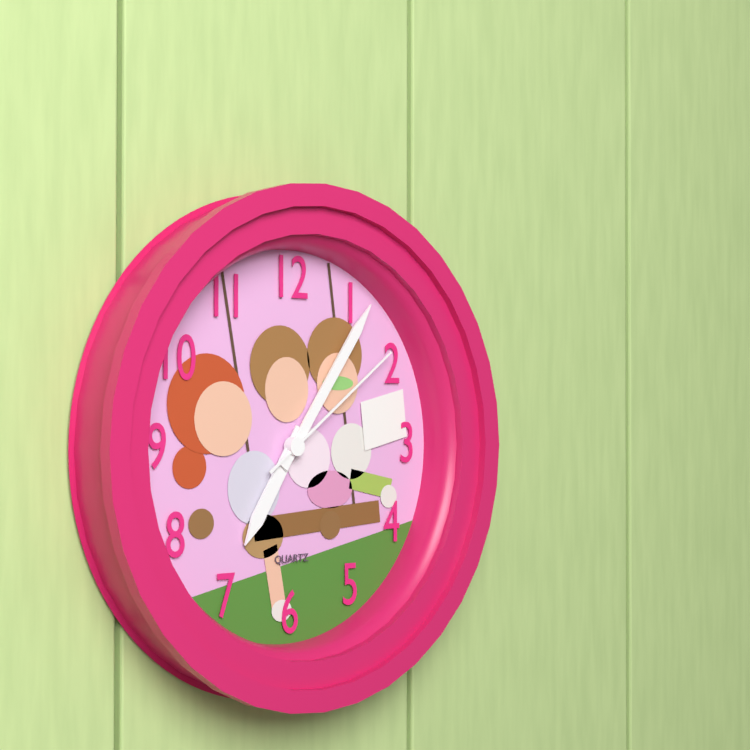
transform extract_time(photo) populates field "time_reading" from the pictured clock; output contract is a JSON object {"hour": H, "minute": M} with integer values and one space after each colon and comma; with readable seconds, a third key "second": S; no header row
{"hour": 7, "minute": 6, "second": 9}
